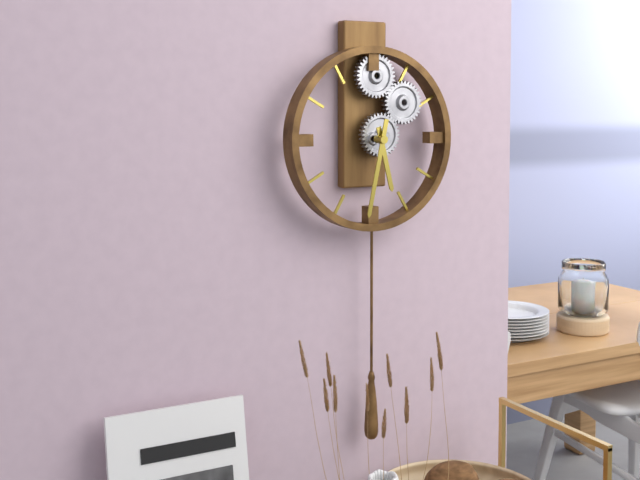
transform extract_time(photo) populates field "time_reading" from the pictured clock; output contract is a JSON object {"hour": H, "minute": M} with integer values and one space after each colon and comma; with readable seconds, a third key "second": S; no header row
{"hour": 5, "minute": 32}
